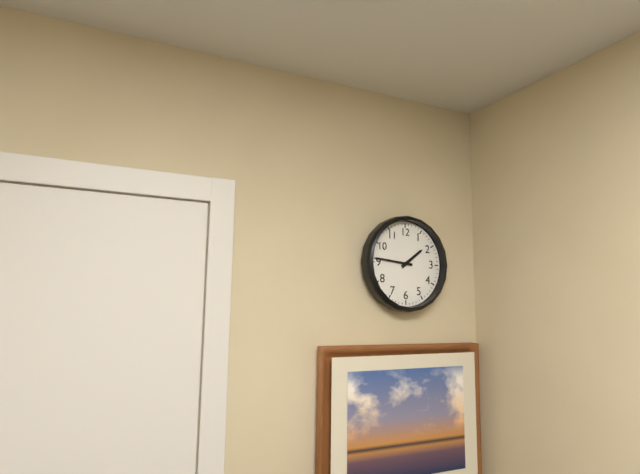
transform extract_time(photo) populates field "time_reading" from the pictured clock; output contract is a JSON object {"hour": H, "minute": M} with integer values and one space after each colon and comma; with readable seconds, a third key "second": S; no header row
{"hour": 1, "minute": 46}
